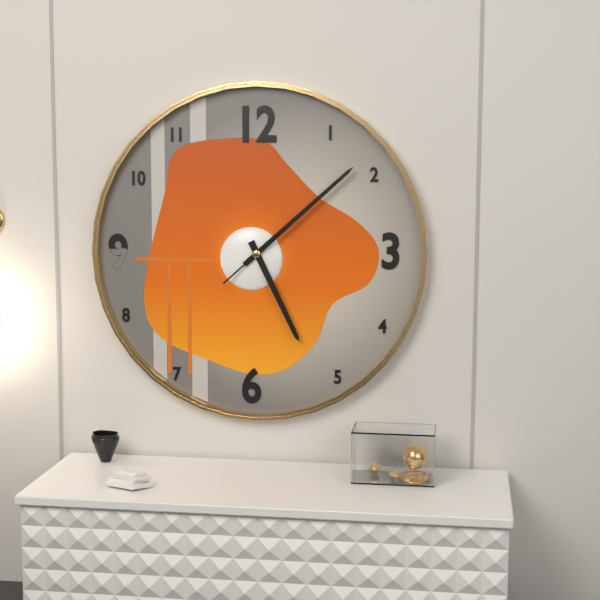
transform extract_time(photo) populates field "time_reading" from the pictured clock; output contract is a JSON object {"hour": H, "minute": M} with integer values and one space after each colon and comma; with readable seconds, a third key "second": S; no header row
{"hour": 5, "minute": 8, "second": 8}
